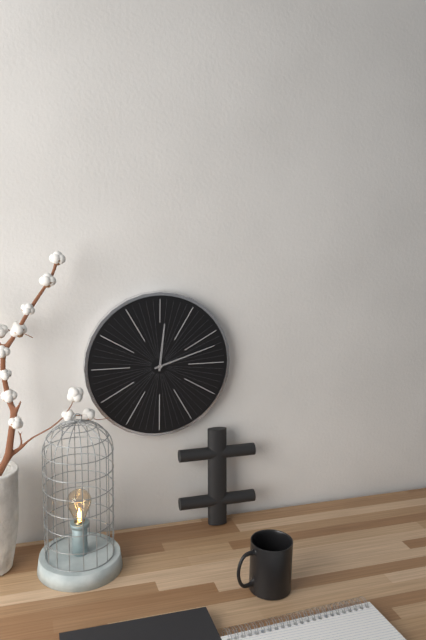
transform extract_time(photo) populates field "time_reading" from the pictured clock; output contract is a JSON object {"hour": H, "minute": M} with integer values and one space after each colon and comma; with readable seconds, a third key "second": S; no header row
{"hour": 12, "minute": 12}
